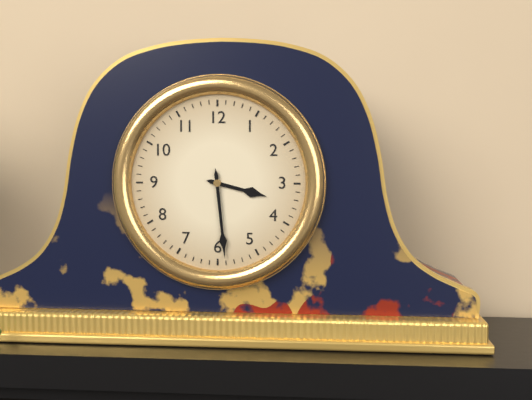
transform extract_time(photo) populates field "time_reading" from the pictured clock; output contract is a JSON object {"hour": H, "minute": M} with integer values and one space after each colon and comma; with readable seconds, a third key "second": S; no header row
{"hour": 3, "minute": 29}
